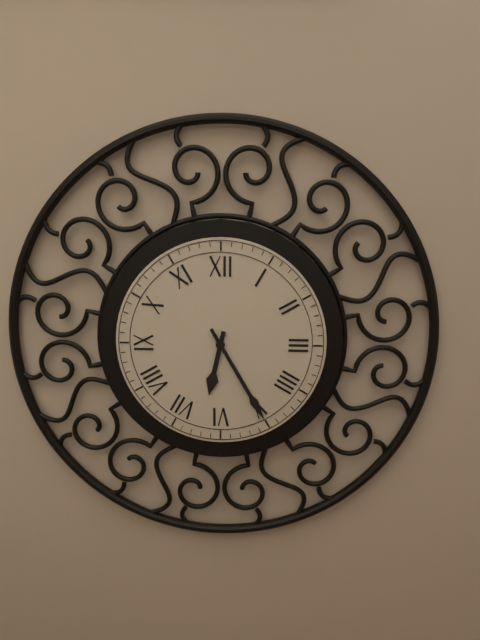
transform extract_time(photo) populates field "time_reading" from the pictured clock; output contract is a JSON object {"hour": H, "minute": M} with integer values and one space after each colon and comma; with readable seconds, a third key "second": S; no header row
{"hour": 6, "minute": 25}
